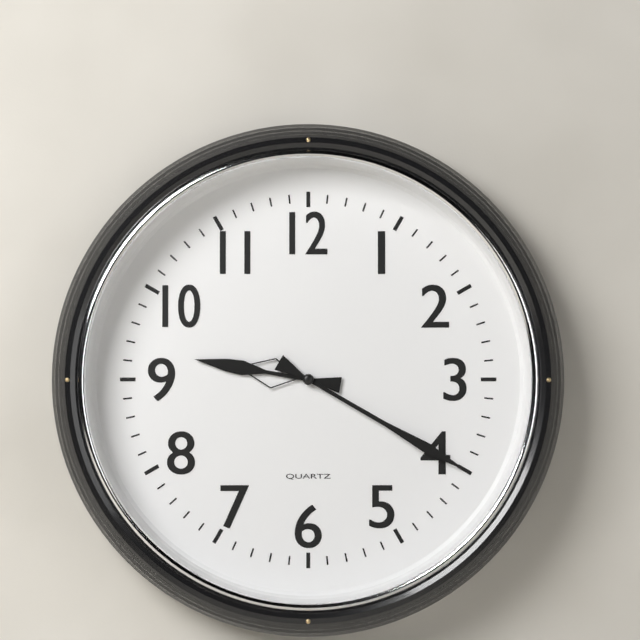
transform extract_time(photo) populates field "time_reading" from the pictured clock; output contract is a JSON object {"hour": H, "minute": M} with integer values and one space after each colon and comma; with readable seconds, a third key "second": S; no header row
{"hour": 9, "minute": 20}
